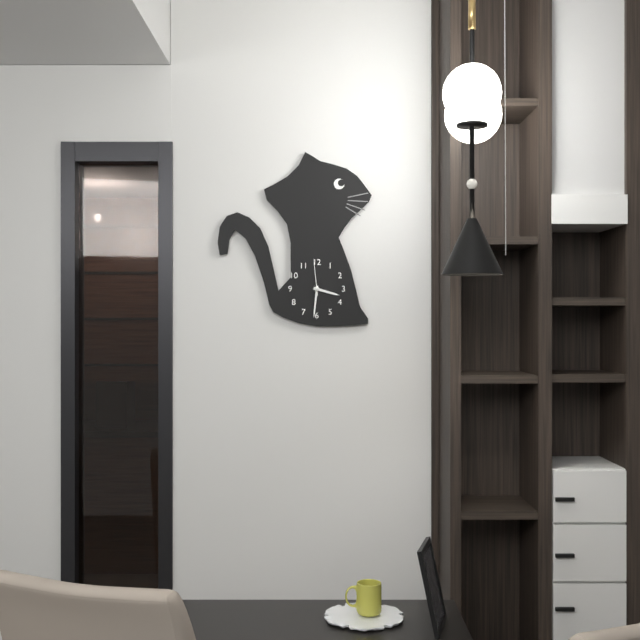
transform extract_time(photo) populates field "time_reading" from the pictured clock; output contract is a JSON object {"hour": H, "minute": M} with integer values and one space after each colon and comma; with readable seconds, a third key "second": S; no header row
{"hour": 3, "minute": 31}
